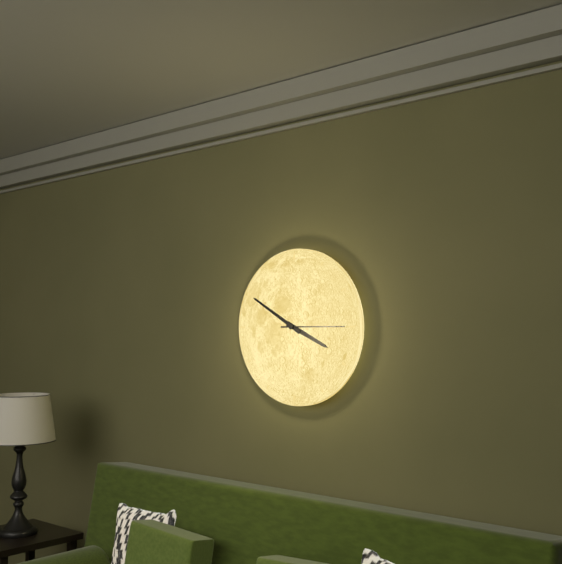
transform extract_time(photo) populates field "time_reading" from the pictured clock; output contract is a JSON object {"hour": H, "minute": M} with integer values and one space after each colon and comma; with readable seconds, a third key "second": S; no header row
{"hour": 3, "minute": 50, "second": 15}
